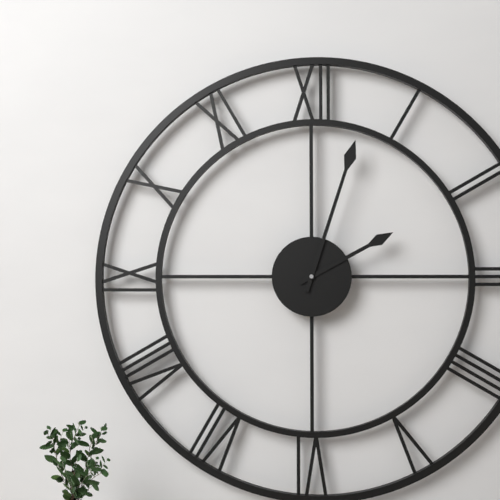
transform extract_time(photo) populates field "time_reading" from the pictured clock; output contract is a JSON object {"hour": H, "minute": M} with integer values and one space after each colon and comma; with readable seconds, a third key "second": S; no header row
{"hour": 2, "minute": 3}
